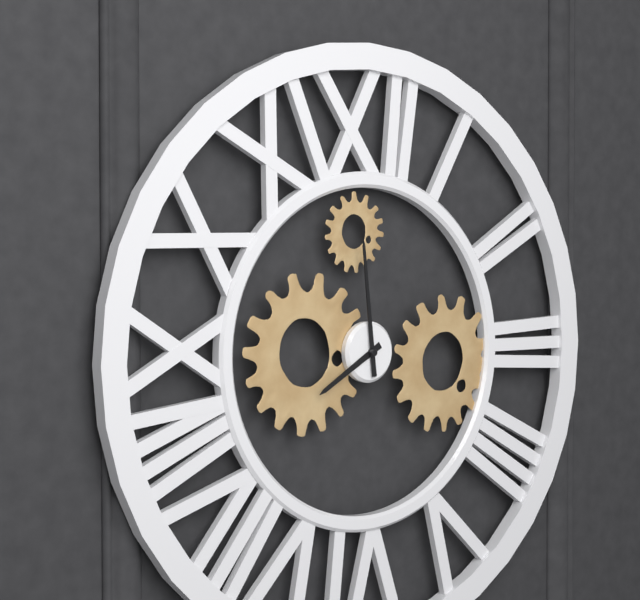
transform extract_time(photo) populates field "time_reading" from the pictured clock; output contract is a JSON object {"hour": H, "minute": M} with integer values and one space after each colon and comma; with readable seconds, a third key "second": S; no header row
{"hour": 7, "minute": 59}
